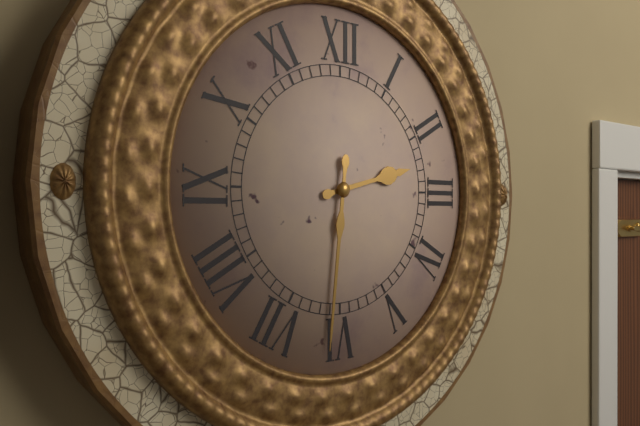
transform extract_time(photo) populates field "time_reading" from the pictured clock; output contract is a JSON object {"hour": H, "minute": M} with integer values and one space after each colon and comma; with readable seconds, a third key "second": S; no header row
{"hour": 2, "minute": 31}
